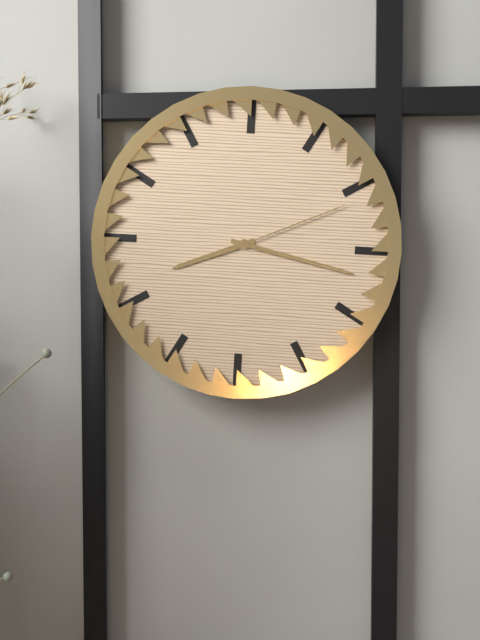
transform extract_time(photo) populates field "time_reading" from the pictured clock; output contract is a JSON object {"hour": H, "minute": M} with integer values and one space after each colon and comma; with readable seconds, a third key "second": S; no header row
{"hour": 8, "minute": 17, "second": 11}
